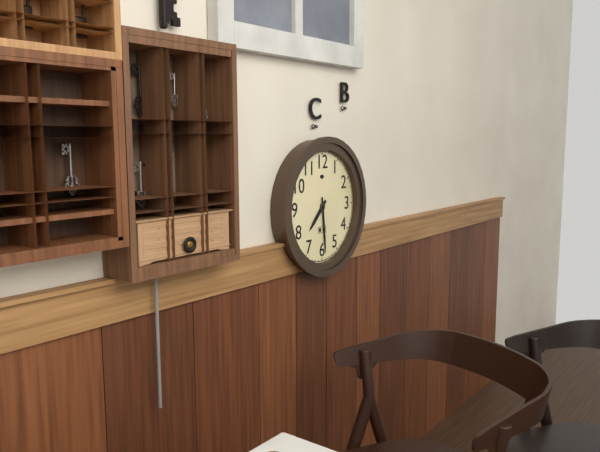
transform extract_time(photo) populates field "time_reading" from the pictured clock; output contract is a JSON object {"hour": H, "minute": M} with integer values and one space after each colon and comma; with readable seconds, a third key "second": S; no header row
{"hour": 7, "minute": 29}
